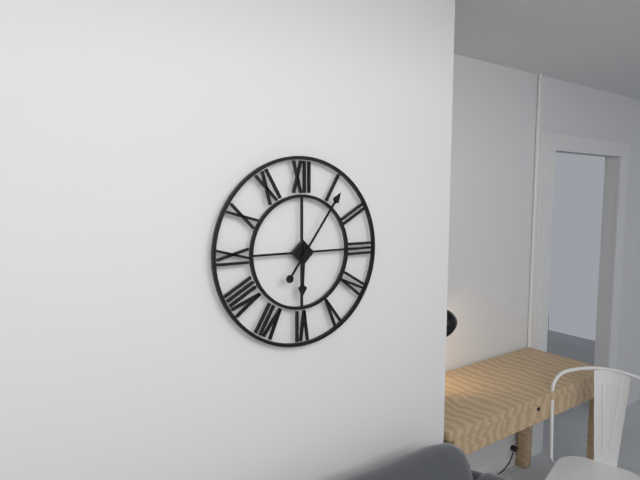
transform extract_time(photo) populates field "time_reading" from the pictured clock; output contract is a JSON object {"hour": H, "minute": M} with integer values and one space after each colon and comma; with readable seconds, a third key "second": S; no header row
{"hour": 6, "minute": 6}
